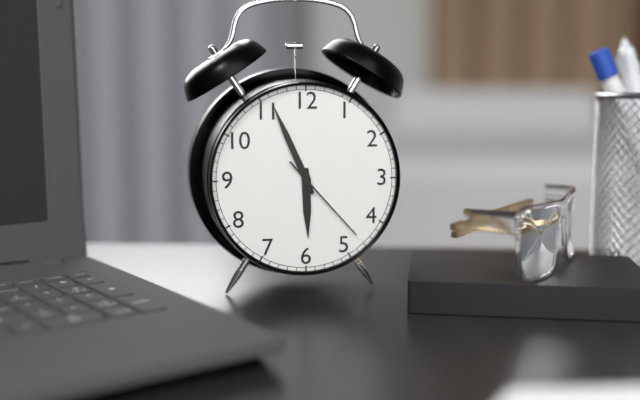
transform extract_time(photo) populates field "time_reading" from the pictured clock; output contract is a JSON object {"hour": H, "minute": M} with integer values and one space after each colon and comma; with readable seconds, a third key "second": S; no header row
{"hour": 5, "minute": 56, "second": 23}
